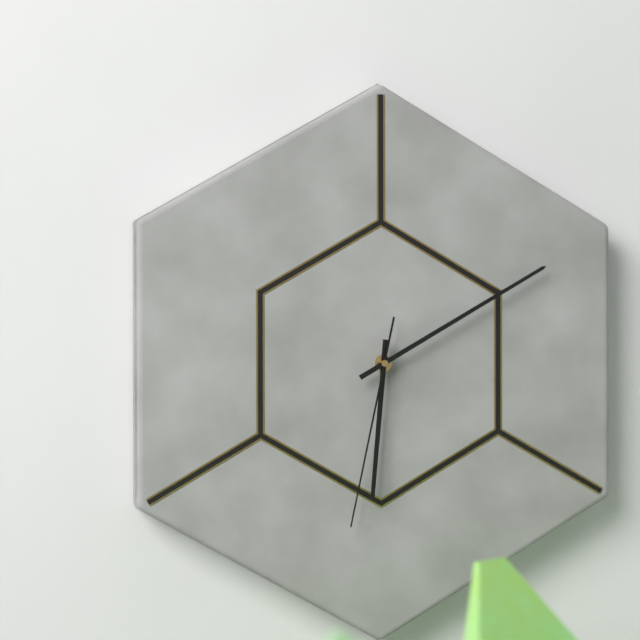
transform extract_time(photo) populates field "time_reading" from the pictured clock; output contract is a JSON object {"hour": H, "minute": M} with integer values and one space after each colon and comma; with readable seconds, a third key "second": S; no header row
{"hour": 6, "minute": 10, "second": 32}
